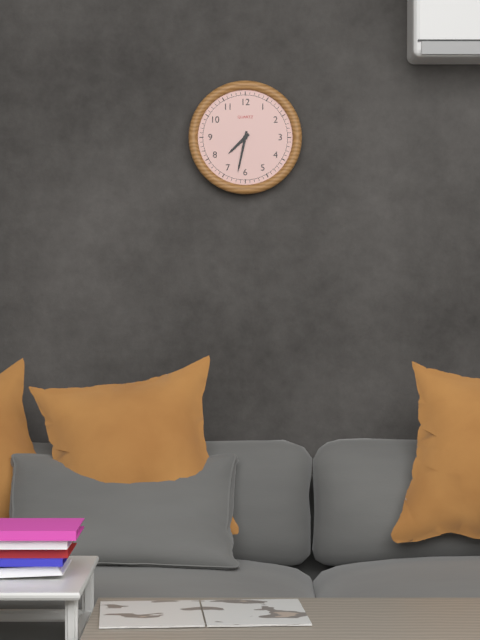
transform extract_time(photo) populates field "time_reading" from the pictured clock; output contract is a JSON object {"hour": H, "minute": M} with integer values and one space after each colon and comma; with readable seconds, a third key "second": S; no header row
{"hour": 7, "minute": 32}
